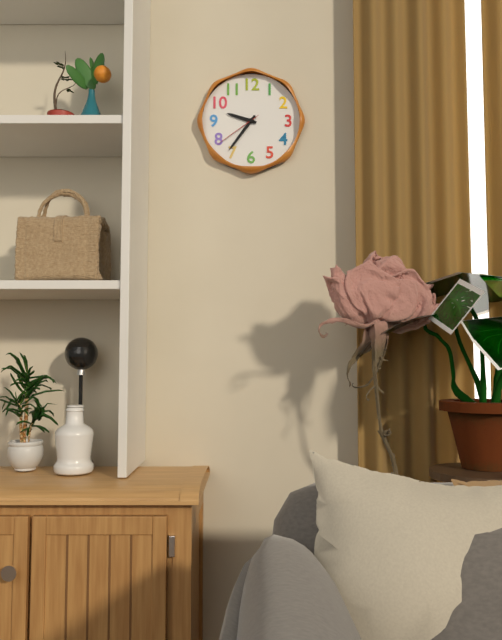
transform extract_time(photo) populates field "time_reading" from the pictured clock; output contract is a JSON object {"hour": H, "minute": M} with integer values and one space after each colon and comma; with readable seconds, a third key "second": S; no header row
{"hour": 9, "minute": 36, "second": 39}
